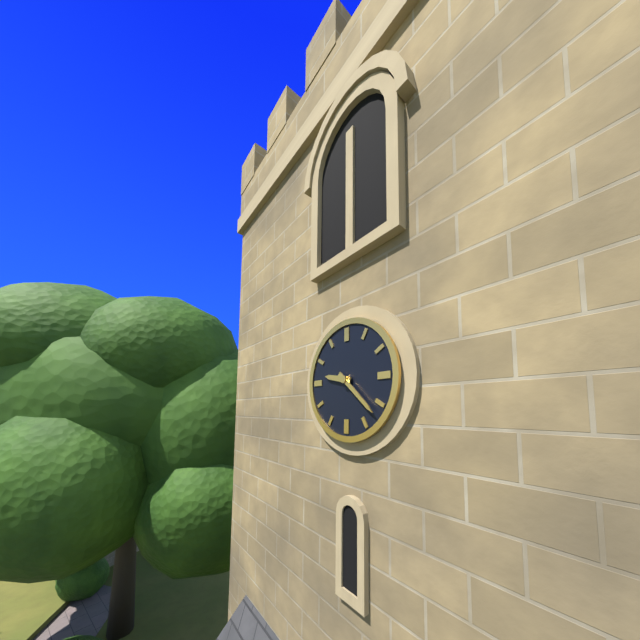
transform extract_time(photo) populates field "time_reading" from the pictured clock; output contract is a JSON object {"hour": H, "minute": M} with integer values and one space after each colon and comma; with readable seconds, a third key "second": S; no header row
{"hour": 9, "minute": 22}
